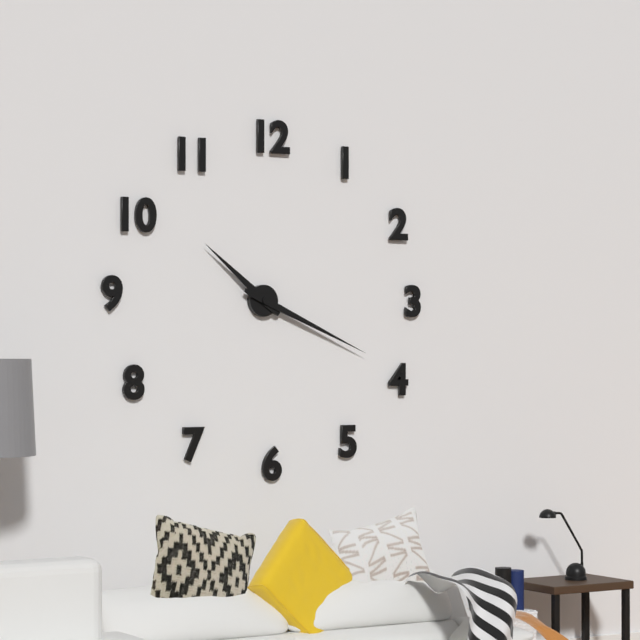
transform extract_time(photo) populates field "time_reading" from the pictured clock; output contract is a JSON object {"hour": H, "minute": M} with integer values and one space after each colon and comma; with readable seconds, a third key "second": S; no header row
{"hour": 10, "minute": 19}
